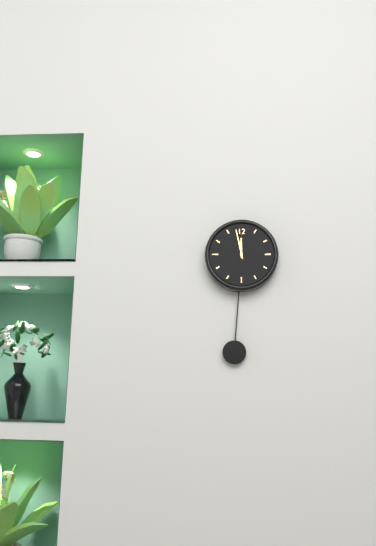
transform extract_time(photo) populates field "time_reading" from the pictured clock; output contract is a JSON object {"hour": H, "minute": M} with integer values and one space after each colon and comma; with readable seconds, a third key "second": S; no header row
{"hour": 11, "minute": 58}
